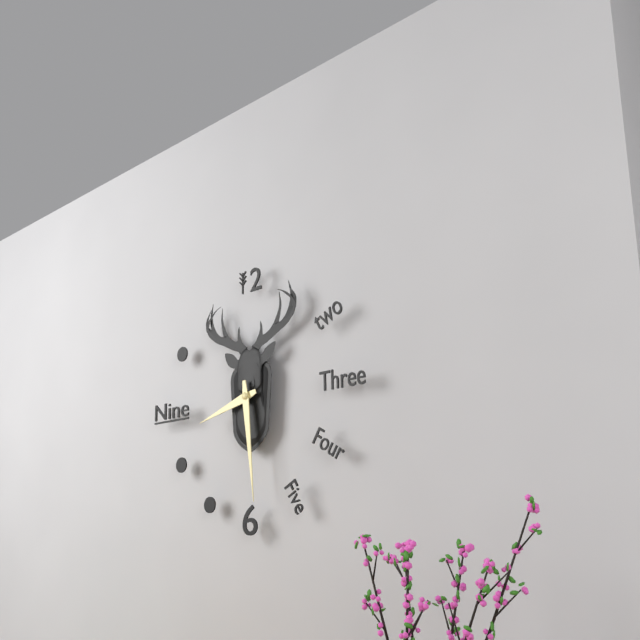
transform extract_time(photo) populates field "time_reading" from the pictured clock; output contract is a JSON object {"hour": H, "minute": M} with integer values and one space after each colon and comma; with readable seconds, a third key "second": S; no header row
{"hour": 8, "minute": 29}
